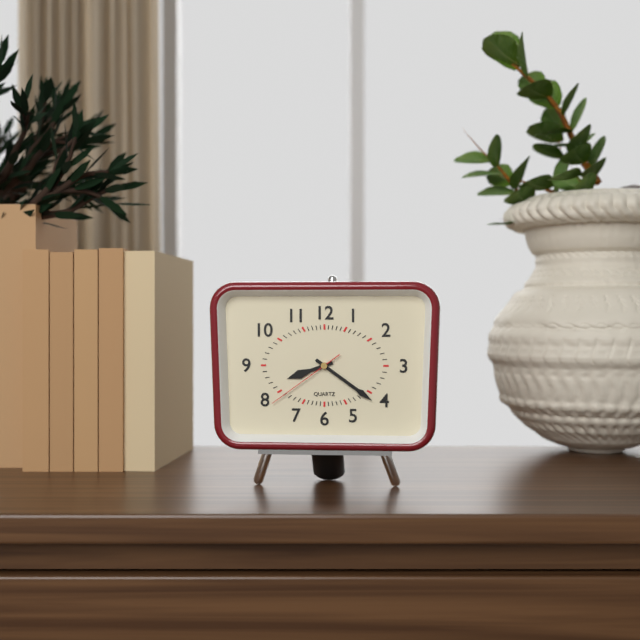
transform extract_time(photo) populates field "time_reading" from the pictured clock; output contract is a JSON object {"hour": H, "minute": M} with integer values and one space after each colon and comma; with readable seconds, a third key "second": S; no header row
{"hour": 8, "minute": 21, "second": 39}
